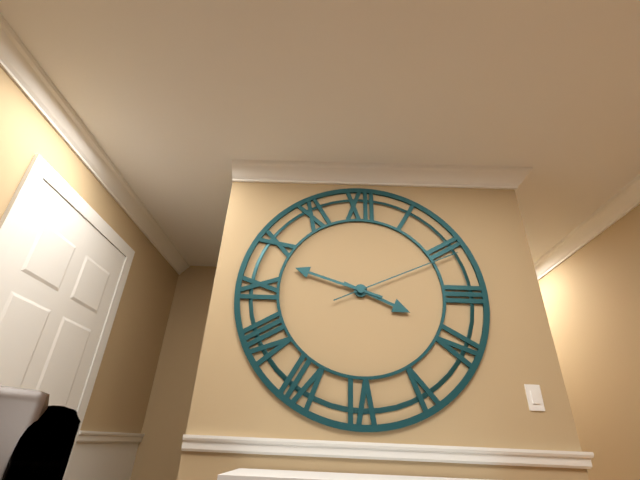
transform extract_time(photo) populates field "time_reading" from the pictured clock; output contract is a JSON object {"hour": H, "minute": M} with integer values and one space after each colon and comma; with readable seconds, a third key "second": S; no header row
{"hour": 3, "minute": 48, "second": 11}
